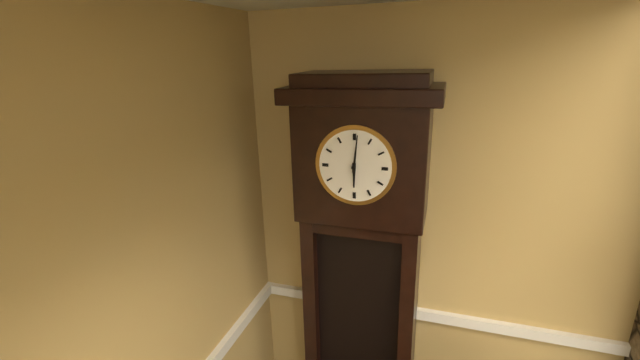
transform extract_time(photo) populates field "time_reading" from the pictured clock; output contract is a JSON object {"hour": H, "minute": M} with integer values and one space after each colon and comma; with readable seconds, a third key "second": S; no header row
{"hour": 6, "minute": 1}
